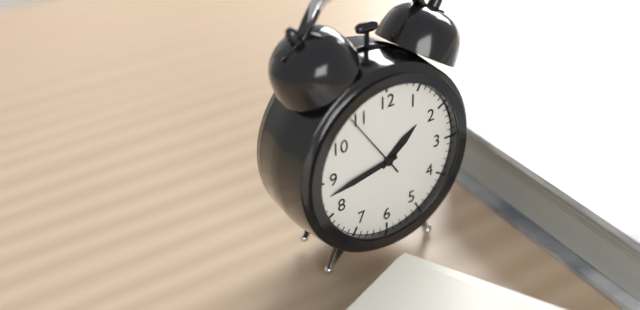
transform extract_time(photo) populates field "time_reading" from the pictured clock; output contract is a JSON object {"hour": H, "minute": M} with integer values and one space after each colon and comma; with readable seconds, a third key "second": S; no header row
{"hour": 1, "minute": 43, "second": 54}
